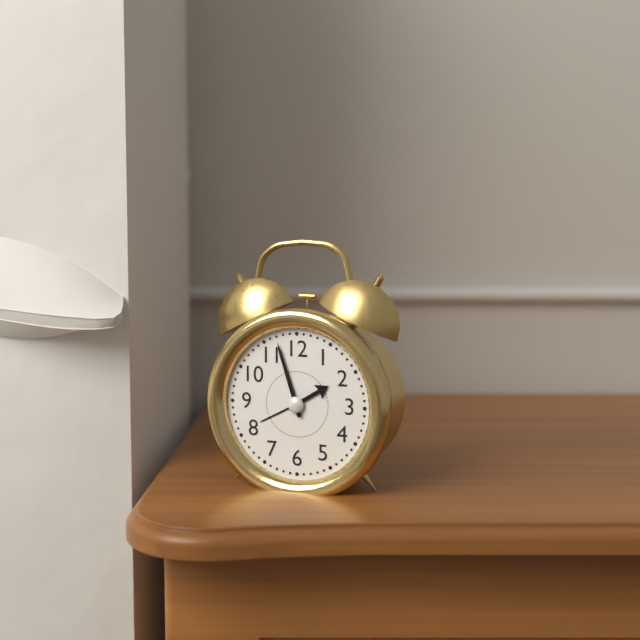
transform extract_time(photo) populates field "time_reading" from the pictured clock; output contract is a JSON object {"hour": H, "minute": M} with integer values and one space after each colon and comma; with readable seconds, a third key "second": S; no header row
{"hour": 1, "minute": 57}
